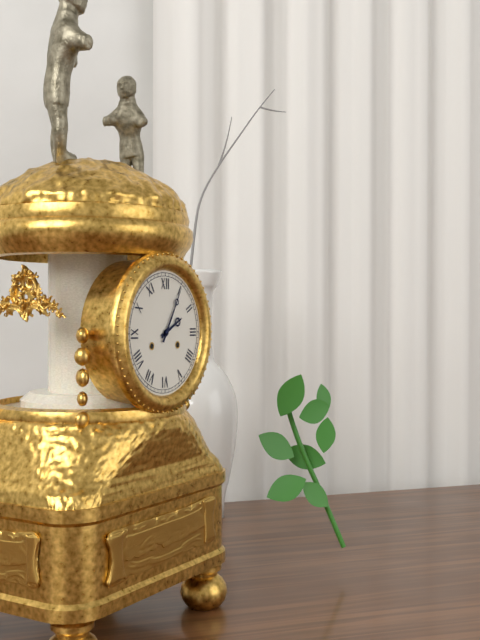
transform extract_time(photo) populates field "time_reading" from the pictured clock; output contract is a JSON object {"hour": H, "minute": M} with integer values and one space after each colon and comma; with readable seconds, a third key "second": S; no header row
{"hour": 2, "minute": 5}
